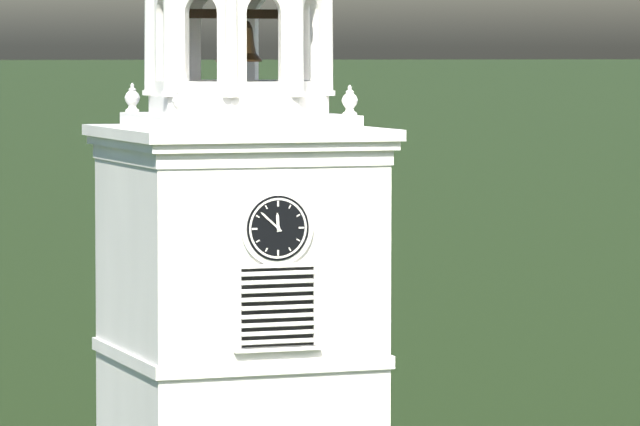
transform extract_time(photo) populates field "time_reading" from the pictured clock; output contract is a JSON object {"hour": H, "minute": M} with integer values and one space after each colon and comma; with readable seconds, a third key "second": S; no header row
{"hour": 11, "minute": 52}
